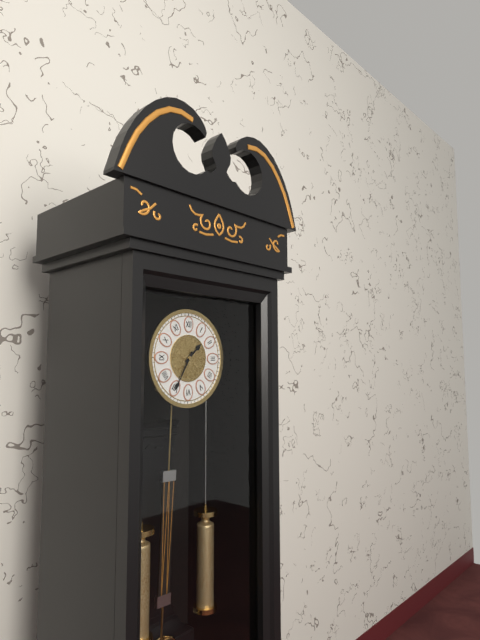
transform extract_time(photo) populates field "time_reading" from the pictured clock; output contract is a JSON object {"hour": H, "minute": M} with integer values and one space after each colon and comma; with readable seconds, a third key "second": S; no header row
{"hour": 1, "minute": 35}
